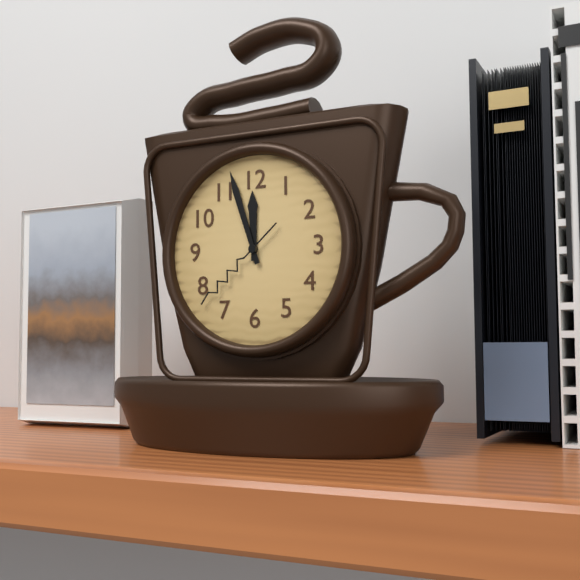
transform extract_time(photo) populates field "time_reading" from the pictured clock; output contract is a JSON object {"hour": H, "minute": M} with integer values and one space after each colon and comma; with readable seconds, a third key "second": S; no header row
{"hour": 11, "minute": 57, "second": 38}
